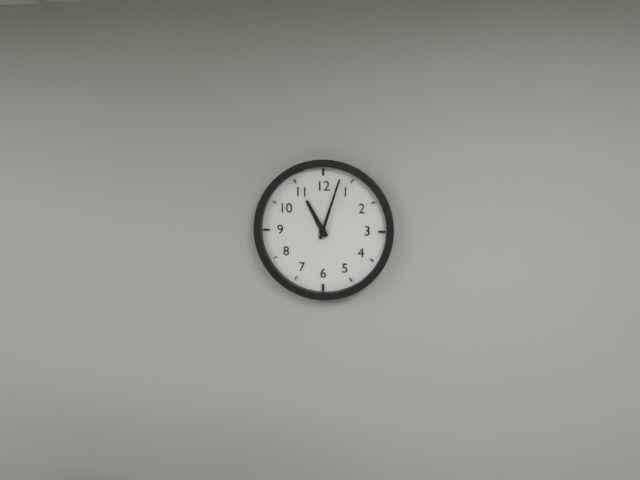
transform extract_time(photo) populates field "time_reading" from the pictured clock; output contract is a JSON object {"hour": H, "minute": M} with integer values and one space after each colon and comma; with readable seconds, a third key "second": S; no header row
{"hour": 11, "minute": 3}
